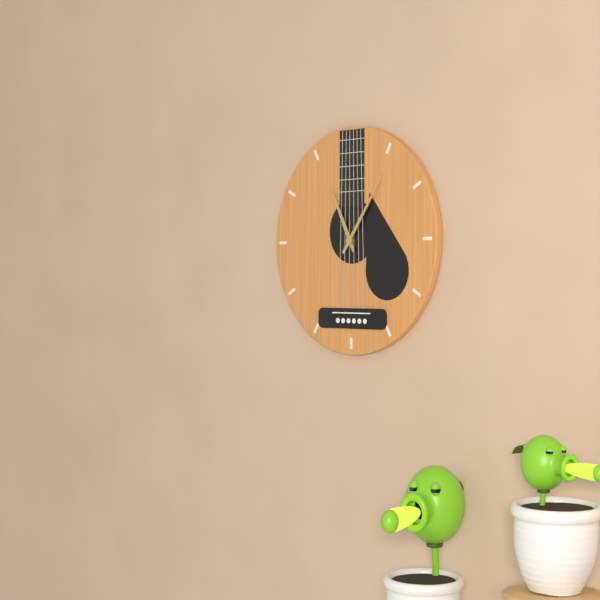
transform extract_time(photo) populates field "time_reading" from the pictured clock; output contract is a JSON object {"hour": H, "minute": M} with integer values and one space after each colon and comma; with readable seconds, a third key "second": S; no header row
{"hour": 11, "minute": 6}
